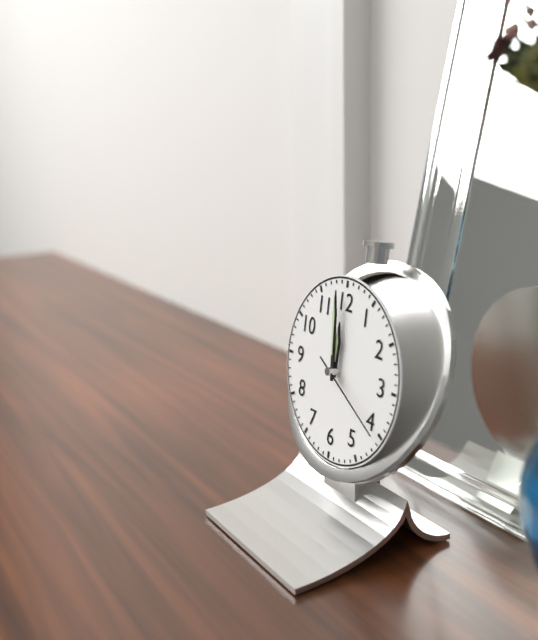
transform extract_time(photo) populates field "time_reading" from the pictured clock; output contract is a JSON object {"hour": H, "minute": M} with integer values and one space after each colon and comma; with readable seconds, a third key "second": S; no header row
{"hour": 11, "minute": 59, "second": 20}
